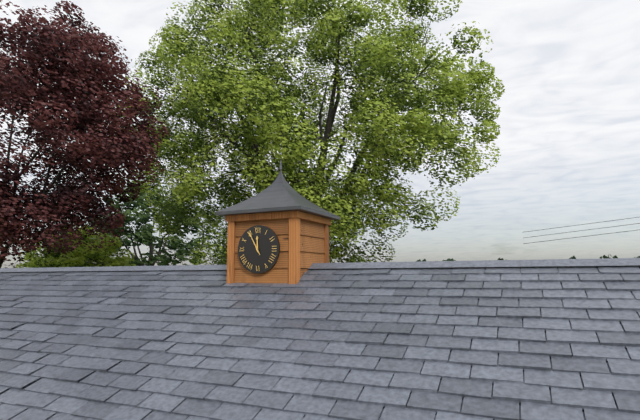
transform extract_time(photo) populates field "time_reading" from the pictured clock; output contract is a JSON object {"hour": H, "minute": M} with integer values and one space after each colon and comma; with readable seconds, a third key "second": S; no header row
{"hour": 11, "minute": 55}
